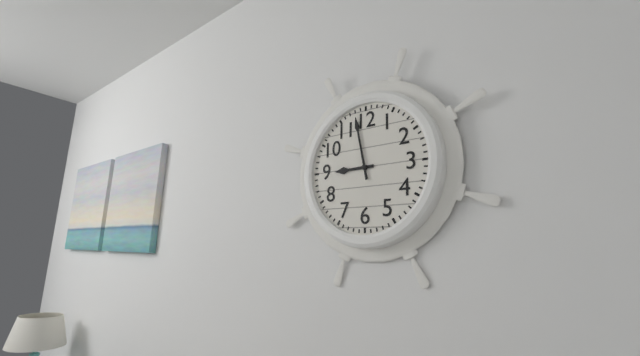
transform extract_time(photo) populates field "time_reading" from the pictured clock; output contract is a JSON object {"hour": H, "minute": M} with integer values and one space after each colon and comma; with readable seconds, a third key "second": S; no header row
{"hour": 8, "minute": 58}
